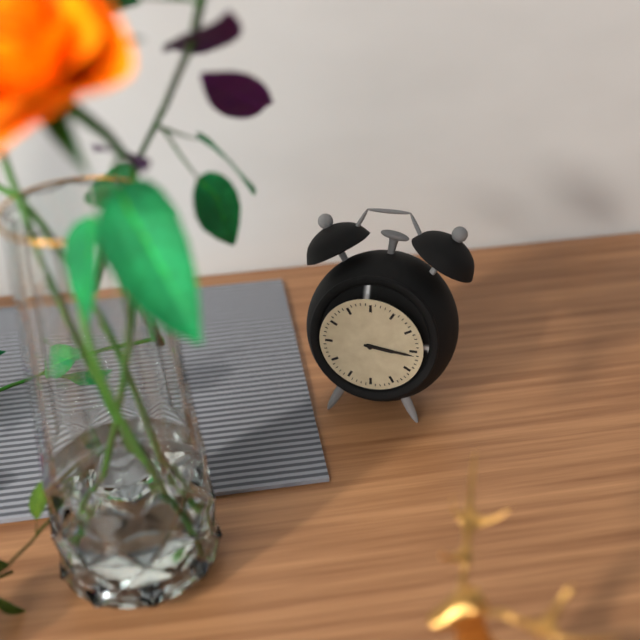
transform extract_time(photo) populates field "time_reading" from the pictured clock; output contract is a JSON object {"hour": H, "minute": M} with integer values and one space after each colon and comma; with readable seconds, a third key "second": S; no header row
{"hour": 3, "minute": 16}
